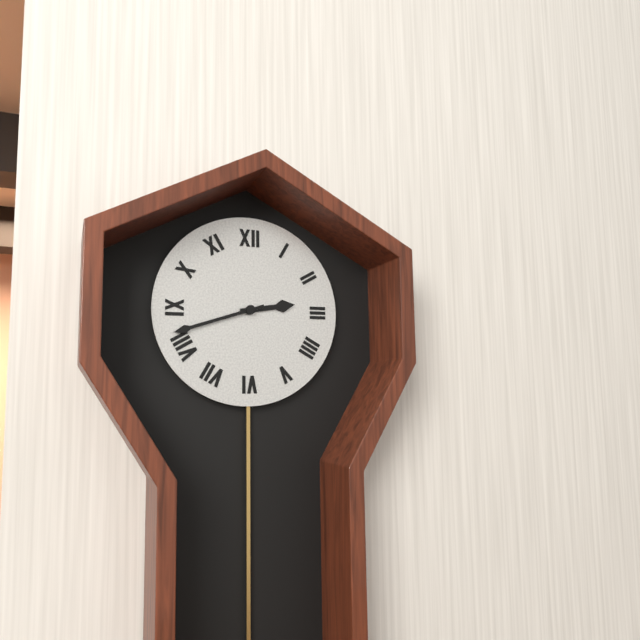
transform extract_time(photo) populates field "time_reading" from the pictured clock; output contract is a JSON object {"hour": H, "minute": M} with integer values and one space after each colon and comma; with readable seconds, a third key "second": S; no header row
{"hour": 2, "minute": 42}
